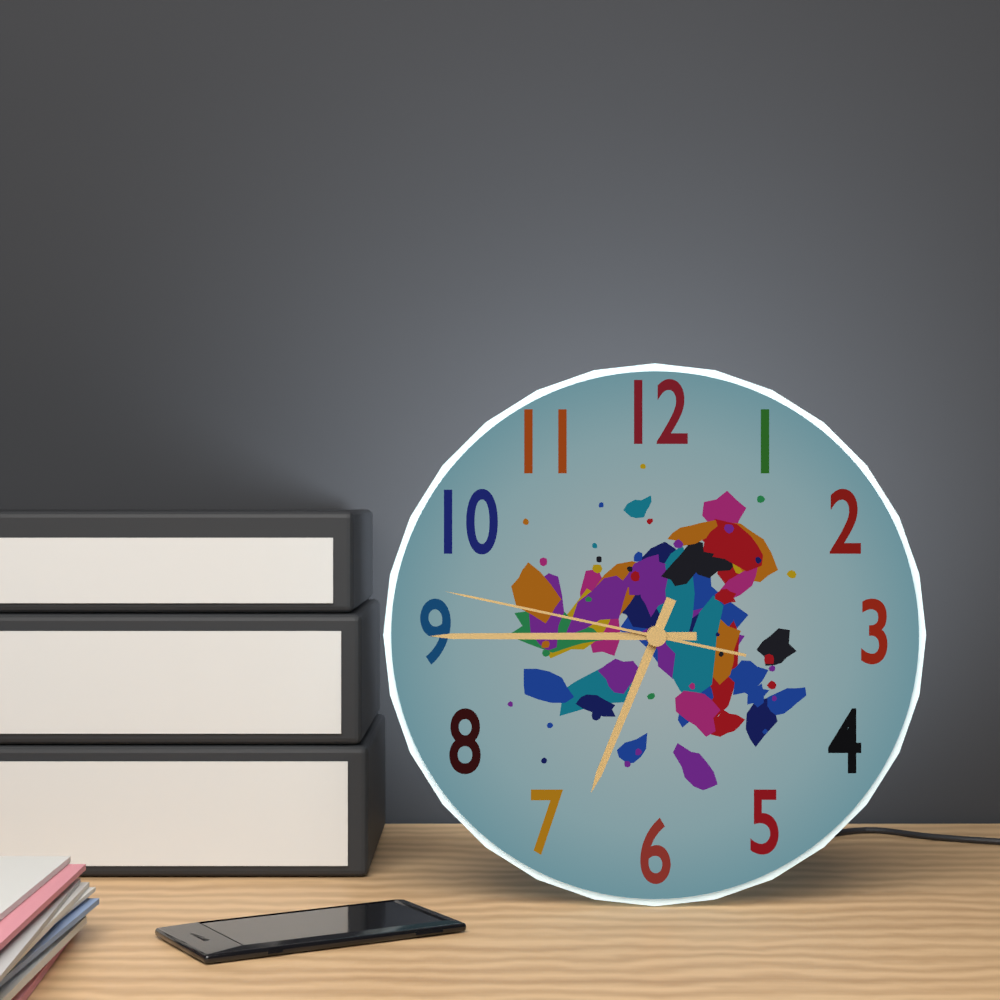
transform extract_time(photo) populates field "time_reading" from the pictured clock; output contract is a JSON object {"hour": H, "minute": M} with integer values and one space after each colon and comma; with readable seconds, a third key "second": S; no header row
{"hour": 6, "minute": 45, "second": 47}
